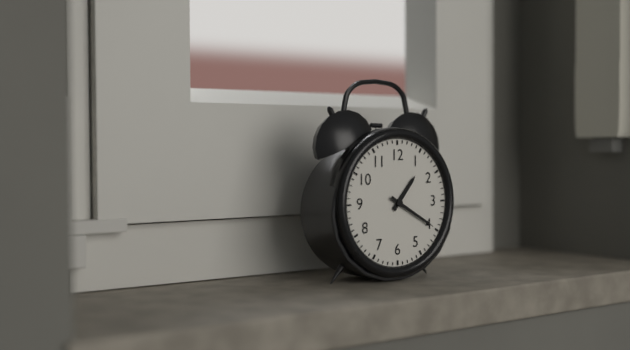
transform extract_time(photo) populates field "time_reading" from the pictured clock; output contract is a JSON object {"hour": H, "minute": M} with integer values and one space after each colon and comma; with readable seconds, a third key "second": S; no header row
{"hour": 1, "minute": 20}
